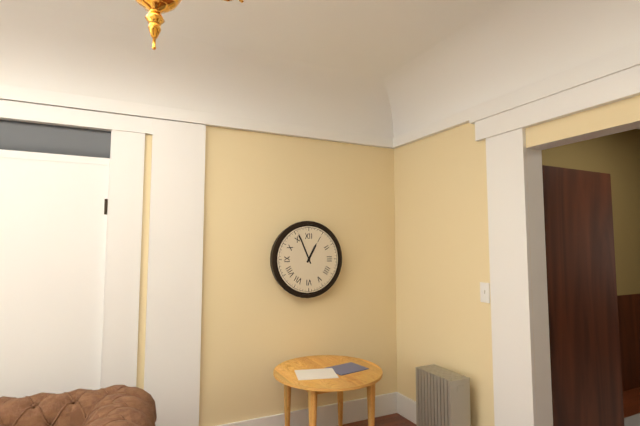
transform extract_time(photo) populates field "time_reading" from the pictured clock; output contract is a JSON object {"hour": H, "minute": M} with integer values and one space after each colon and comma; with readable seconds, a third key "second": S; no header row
{"hour": 12, "minute": 56}
